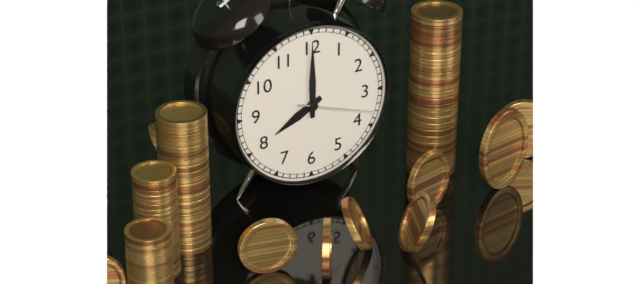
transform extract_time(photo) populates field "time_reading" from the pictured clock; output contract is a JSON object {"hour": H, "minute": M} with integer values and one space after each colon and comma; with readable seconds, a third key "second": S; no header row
{"hour": 8, "minute": 0, "second": 18}
